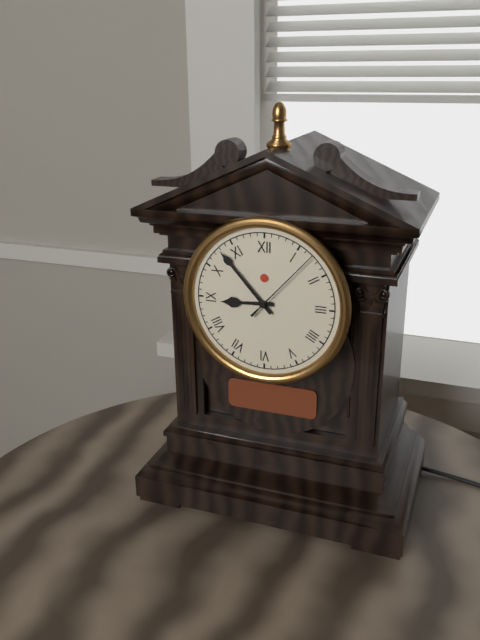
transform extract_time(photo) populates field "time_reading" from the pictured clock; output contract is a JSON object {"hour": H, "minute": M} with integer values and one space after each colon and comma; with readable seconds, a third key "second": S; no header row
{"hour": 8, "minute": 53, "second": 7}
